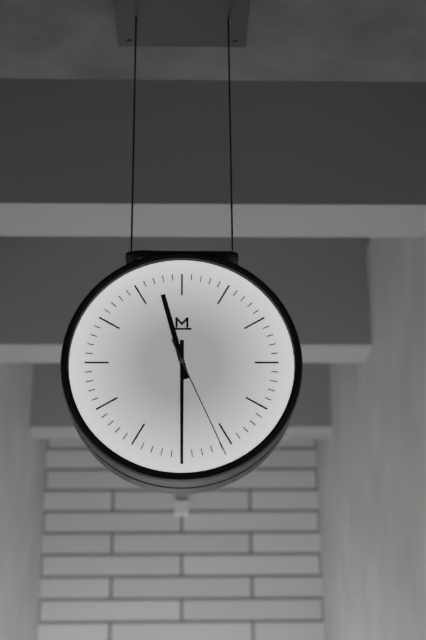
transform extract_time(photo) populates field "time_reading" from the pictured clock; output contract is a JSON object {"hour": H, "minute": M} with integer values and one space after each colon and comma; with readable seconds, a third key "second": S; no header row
{"hour": 11, "minute": 30, "second": 26}
